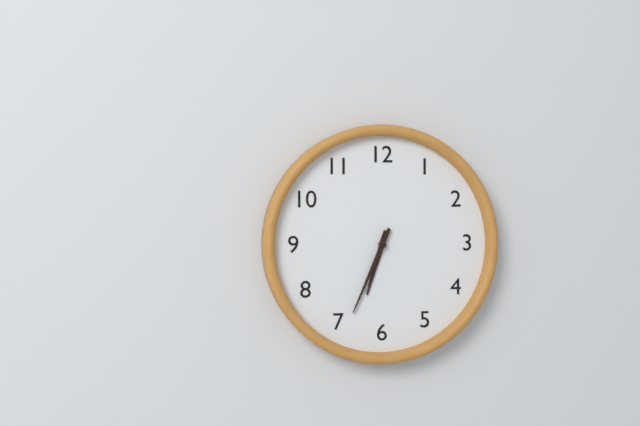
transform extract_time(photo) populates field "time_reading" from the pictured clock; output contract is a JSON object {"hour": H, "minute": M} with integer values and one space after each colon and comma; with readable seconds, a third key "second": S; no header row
{"hour": 6, "minute": 34}
